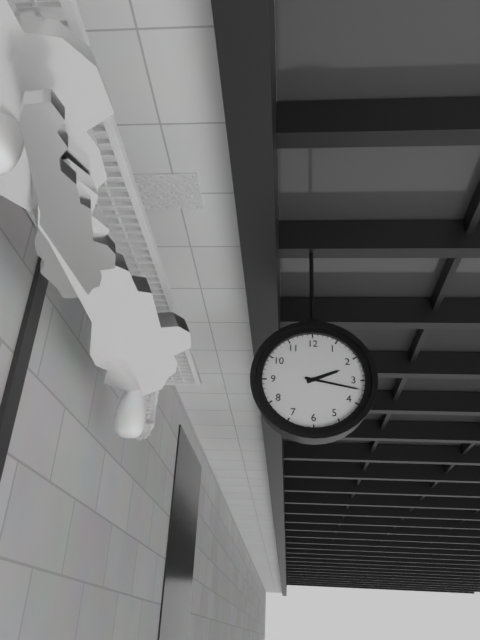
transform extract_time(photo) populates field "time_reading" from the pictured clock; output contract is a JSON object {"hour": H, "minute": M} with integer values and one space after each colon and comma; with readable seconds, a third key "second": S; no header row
{"hour": 2, "minute": 17}
